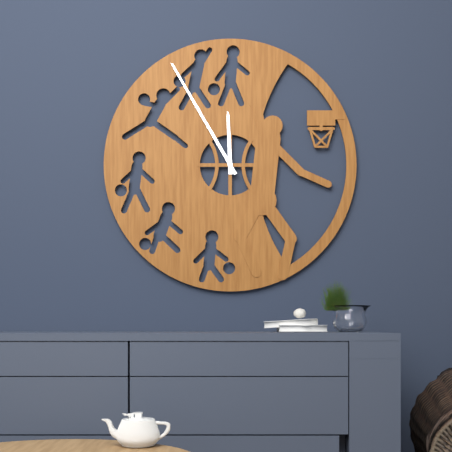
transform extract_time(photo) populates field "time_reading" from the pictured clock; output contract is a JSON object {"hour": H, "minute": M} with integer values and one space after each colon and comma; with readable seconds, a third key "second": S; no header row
{"hour": 11, "minute": 55}
